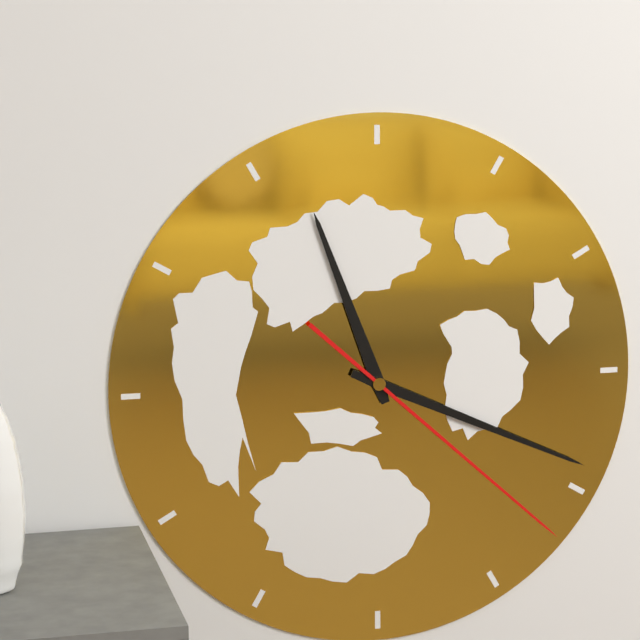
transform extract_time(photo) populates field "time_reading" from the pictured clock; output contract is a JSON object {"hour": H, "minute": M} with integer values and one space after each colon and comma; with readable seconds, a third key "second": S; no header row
{"hour": 11, "minute": 19, "second": 22}
